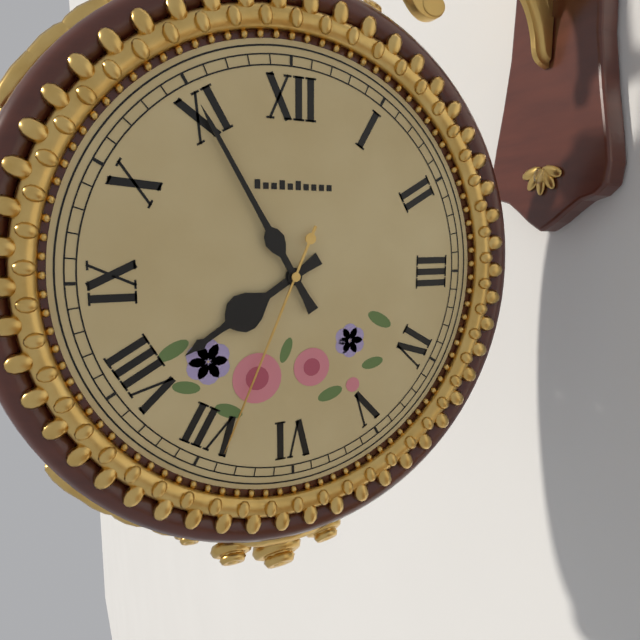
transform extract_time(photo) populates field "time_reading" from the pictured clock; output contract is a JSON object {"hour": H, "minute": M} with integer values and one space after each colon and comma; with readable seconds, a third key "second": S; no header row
{"hour": 7, "minute": 55, "second": 34}
